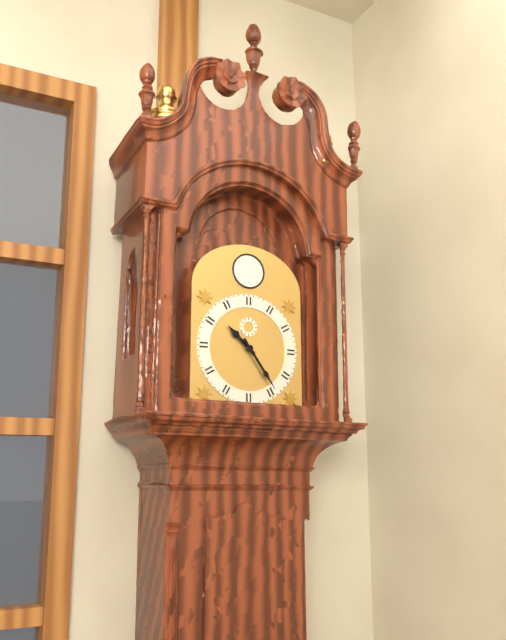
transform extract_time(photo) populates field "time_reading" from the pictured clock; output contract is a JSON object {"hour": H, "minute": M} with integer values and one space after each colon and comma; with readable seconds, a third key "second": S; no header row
{"hour": 10, "minute": 24}
